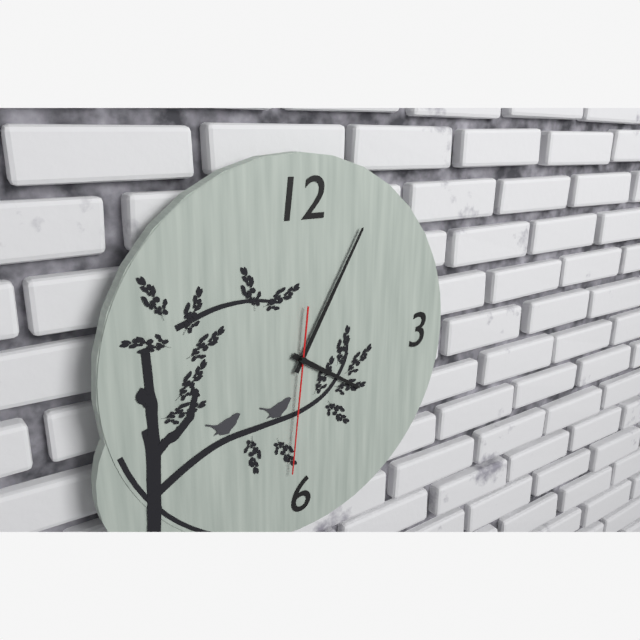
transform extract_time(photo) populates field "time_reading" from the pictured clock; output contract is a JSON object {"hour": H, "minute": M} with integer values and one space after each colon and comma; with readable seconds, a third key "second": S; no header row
{"hour": 4, "minute": 5, "second": 31}
